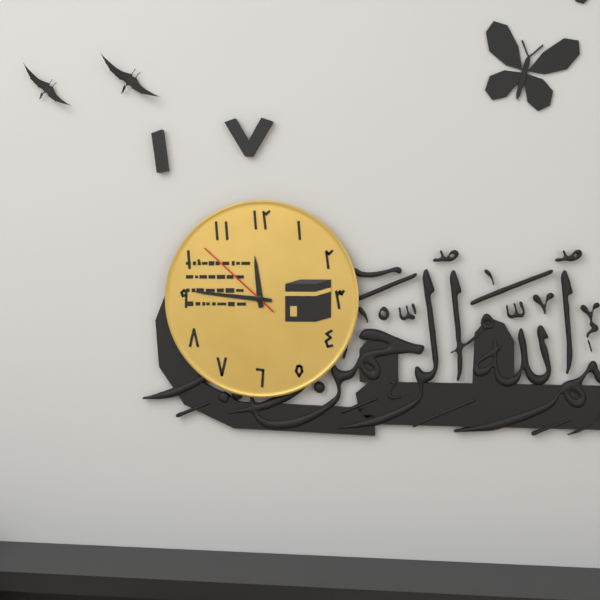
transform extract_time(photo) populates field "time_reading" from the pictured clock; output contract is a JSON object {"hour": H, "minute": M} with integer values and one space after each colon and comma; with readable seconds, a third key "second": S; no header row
{"hour": 11, "minute": 46, "second": 52}
